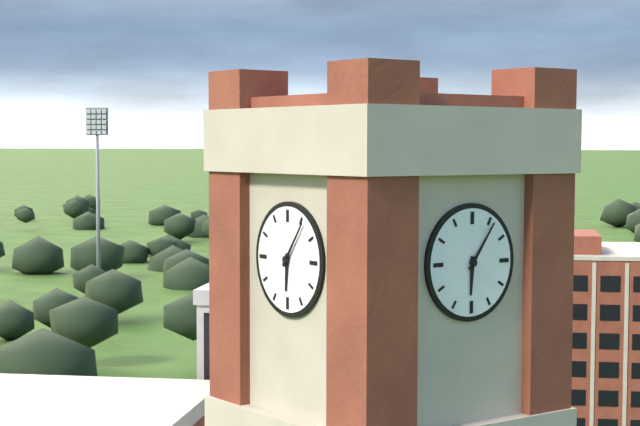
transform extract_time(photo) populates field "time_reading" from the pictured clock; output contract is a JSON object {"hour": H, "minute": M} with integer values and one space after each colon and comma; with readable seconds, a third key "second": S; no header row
{"hour": 6, "minute": 6}
